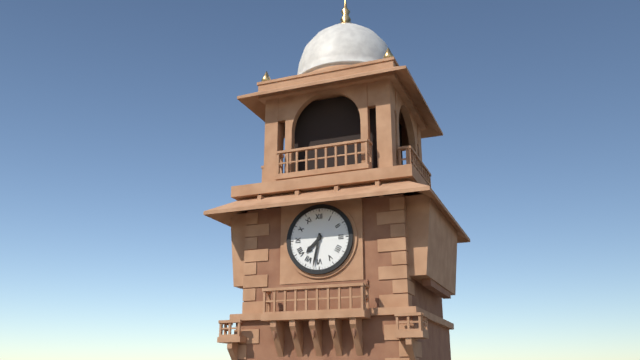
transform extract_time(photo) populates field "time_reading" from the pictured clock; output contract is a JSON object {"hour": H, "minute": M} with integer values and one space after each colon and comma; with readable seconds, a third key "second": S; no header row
{"hour": 7, "minute": 32}
